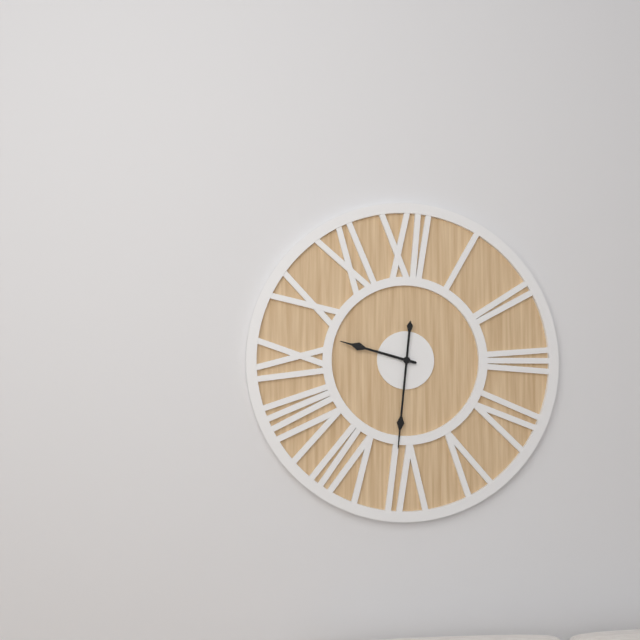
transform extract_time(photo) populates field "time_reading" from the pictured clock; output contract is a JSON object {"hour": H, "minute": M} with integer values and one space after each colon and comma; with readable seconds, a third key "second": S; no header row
{"hour": 9, "minute": 31}
